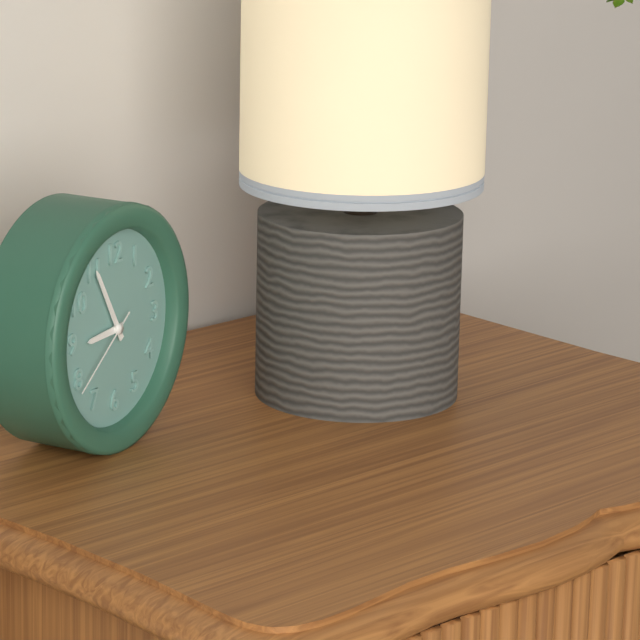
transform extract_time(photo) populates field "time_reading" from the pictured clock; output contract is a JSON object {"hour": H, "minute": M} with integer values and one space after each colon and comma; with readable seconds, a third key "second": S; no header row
{"hour": 8, "minute": 55, "second": 39}
